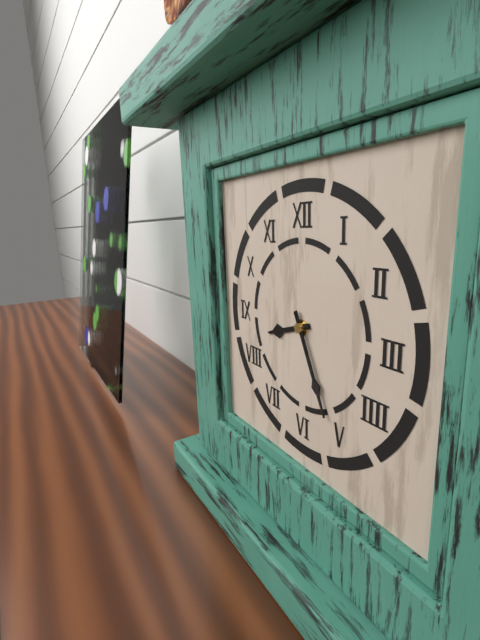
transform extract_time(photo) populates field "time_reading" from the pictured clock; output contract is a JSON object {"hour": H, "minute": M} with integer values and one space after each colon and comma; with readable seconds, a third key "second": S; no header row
{"hour": 8, "minute": 26}
